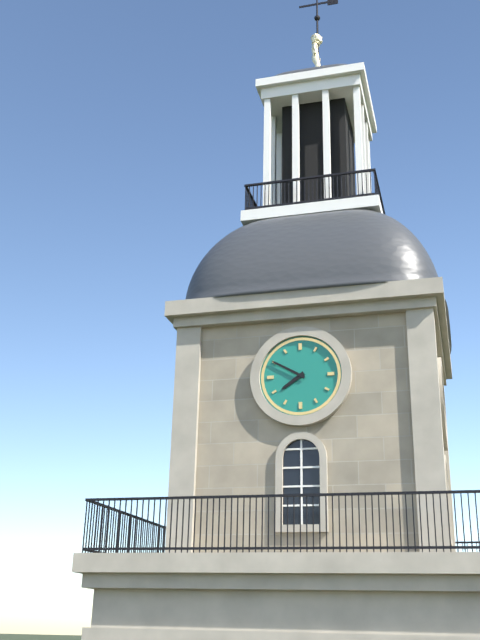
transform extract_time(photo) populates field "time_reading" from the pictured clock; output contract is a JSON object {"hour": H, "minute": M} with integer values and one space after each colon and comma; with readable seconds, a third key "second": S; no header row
{"hour": 7, "minute": 50}
